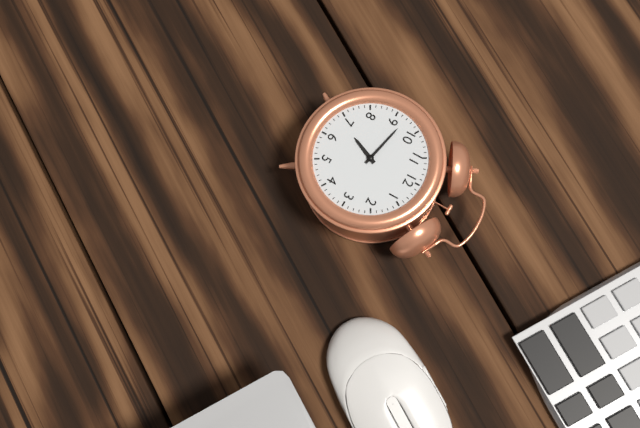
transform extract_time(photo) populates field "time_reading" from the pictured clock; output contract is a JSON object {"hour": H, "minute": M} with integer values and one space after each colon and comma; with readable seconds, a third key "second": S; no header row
{"hour": 6, "minute": 47}
